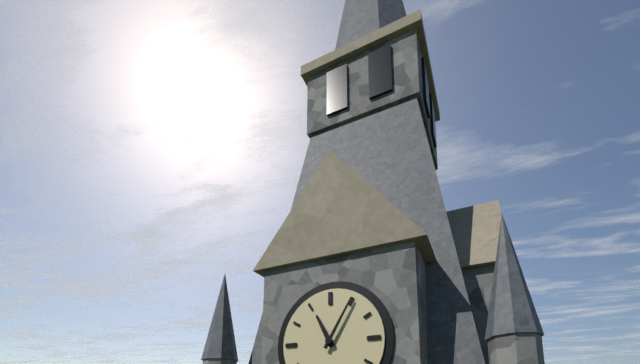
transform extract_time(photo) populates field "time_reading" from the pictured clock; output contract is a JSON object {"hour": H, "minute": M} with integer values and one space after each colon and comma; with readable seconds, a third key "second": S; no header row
{"hour": 11, "minute": 5}
